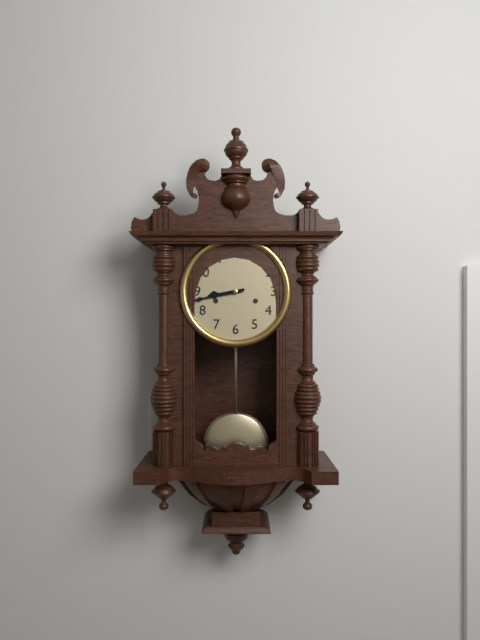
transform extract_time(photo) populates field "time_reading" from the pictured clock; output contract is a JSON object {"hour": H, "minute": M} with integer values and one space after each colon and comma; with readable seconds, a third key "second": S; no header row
{"hour": 8, "minute": 43}
